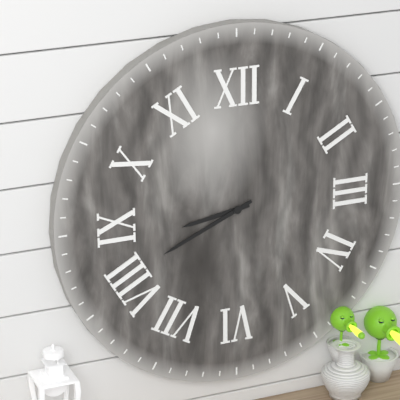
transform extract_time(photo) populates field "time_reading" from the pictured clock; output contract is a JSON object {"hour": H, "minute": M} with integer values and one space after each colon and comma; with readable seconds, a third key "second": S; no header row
{"hour": 8, "minute": 41}
